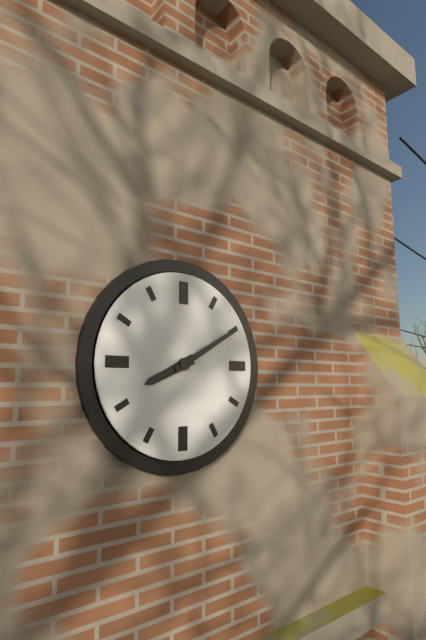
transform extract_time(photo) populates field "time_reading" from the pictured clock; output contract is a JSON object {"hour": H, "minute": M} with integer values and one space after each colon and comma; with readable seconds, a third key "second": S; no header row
{"hour": 8, "minute": 10}
